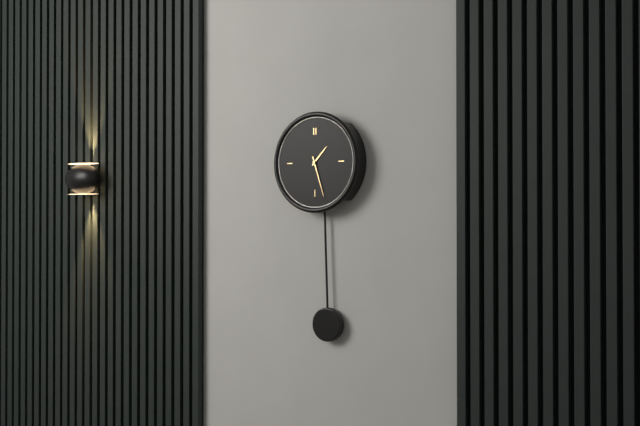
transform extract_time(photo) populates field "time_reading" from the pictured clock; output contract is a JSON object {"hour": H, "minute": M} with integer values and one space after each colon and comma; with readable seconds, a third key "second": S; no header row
{"hour": 1, "minute": 27}
